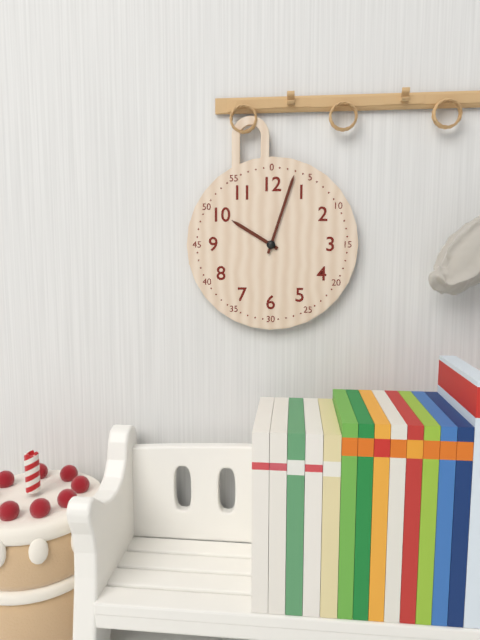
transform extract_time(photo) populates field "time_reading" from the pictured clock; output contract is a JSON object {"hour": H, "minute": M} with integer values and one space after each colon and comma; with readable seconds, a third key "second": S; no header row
{"hour": 10, "minute": 3}
